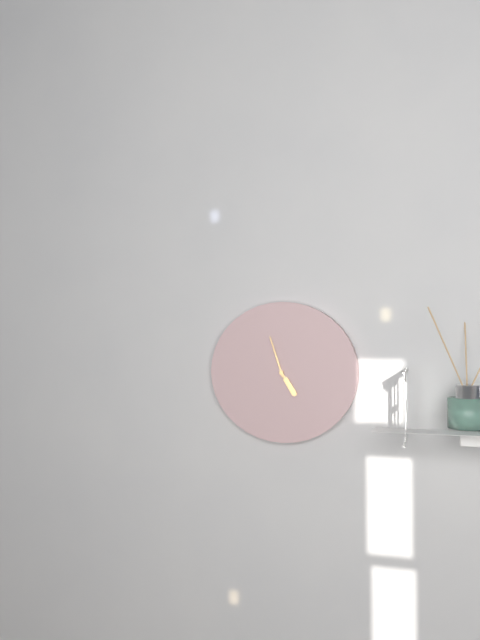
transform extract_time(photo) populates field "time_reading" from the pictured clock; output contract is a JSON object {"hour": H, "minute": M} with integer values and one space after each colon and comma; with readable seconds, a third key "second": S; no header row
{"hour": 4, "minute": 57}
